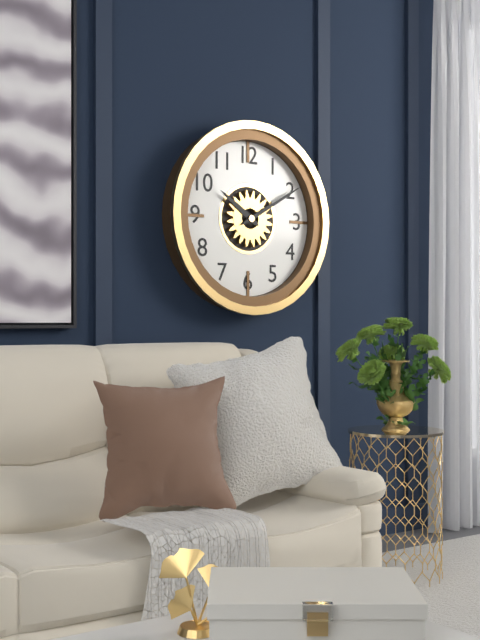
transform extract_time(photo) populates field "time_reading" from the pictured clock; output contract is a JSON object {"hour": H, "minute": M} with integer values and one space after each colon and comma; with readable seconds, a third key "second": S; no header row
{"hour": 10, "minute": 10}
